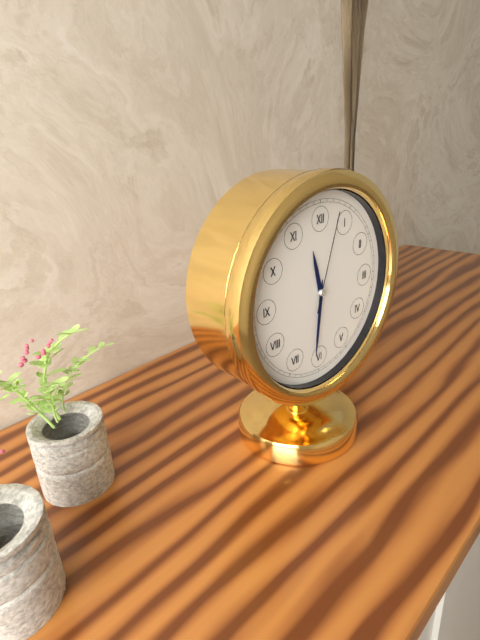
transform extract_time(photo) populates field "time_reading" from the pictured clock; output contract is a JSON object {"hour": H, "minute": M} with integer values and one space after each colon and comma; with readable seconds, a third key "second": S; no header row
{"hour": 11, "minute": 31, "second": 3}
